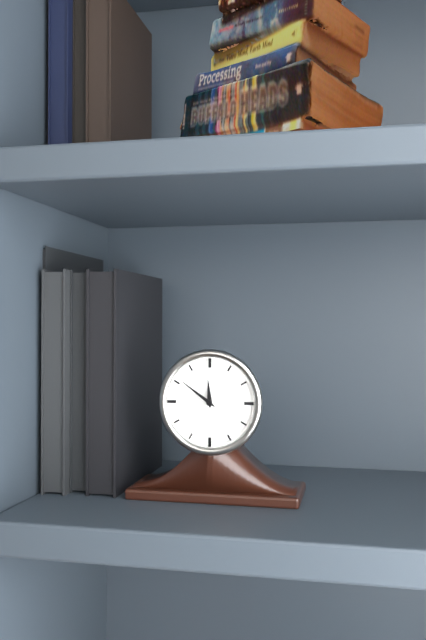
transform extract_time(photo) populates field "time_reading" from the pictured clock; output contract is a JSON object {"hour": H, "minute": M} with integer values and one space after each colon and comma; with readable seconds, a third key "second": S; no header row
{"hour": 11, "minute": 51}
